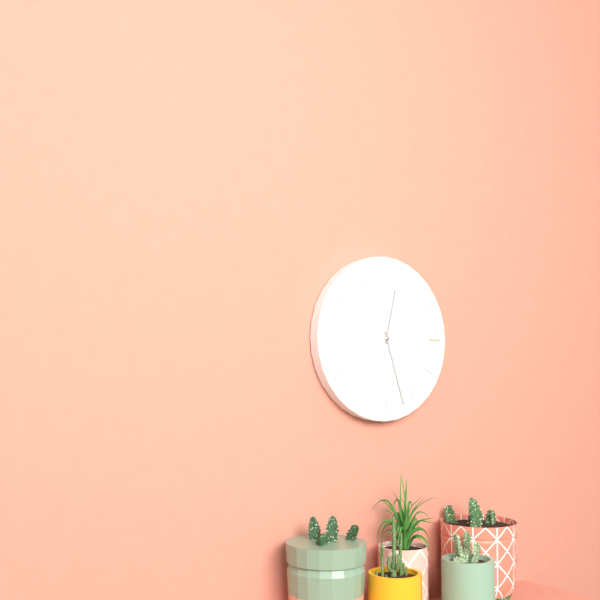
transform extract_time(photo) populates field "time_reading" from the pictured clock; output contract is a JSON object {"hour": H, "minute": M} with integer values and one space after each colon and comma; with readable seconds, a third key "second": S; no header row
{"hour": 12, "minute": 27}
